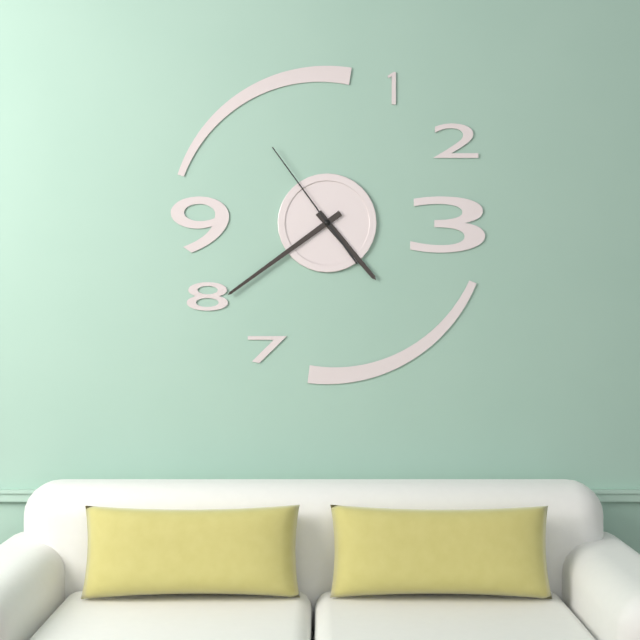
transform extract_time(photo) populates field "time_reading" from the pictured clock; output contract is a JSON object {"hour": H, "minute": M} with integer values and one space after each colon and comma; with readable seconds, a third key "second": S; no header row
{"hour": 4, "minute": 39, "second": 54}
